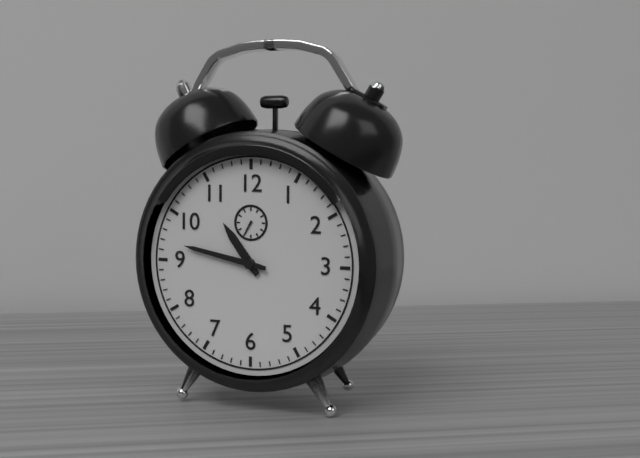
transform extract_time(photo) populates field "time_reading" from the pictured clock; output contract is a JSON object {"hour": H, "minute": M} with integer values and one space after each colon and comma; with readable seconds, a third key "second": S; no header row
{"hour": 10, "minute": 47}
